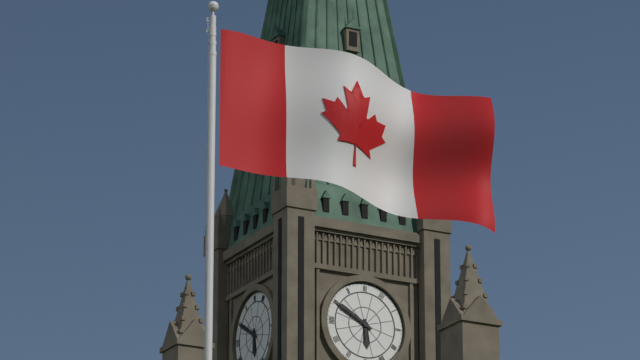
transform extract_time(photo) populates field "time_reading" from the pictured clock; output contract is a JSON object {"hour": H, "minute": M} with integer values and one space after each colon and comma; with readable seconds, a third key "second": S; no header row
{"hour": 5, "minute": 50}
